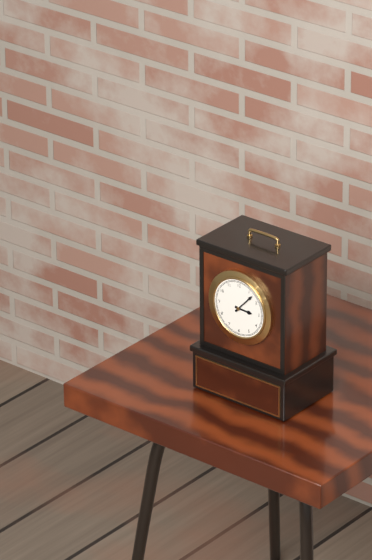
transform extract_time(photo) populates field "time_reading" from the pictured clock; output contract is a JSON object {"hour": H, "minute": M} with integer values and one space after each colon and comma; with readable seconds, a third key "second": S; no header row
{"hour": 3, "minute": 7}
